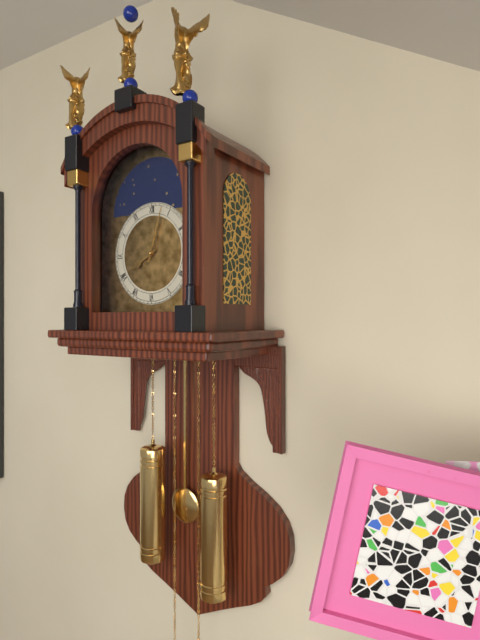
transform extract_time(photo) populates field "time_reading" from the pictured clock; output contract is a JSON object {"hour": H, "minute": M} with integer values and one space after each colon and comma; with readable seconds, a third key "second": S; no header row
{"hour": 8, "minute": 3}
